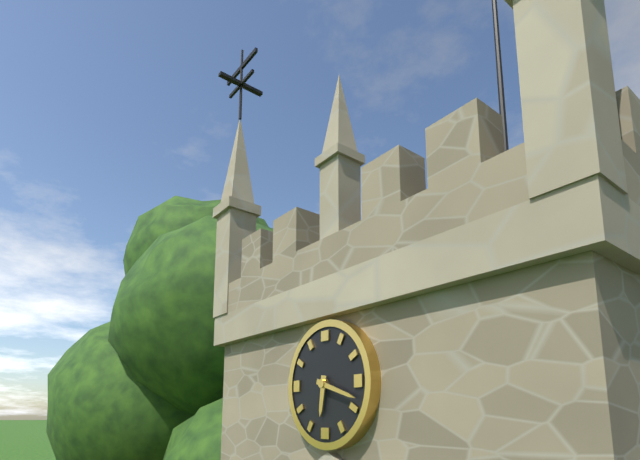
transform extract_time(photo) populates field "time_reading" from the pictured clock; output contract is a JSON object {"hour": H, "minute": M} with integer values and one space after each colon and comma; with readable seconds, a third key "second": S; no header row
{"hour": 6, "minute": 18}
